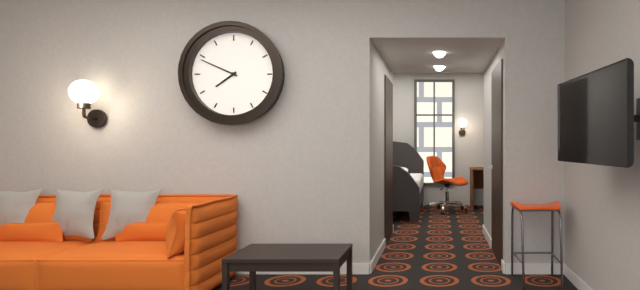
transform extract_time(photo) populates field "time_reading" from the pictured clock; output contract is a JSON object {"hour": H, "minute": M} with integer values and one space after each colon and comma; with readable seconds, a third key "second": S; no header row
{"hour": 7, "minute": 49}
